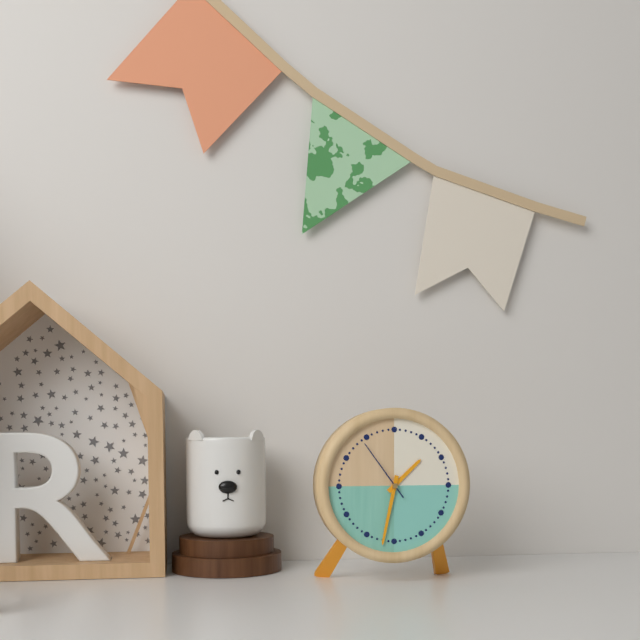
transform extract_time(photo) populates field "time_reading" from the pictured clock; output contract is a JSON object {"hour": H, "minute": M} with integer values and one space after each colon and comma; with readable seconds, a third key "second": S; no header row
{"hour": 1, "minute": 32, "second": 54}
